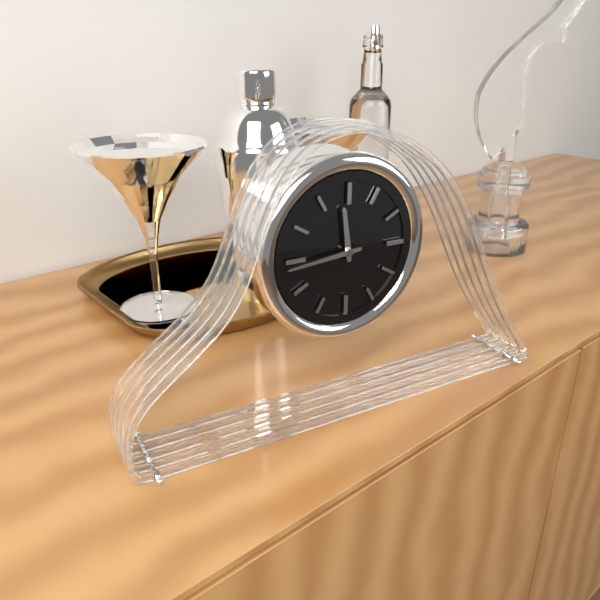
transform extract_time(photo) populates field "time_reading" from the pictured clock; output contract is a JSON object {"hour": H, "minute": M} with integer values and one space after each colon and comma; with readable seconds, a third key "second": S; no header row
{"hour": 11, "minute": 44}
